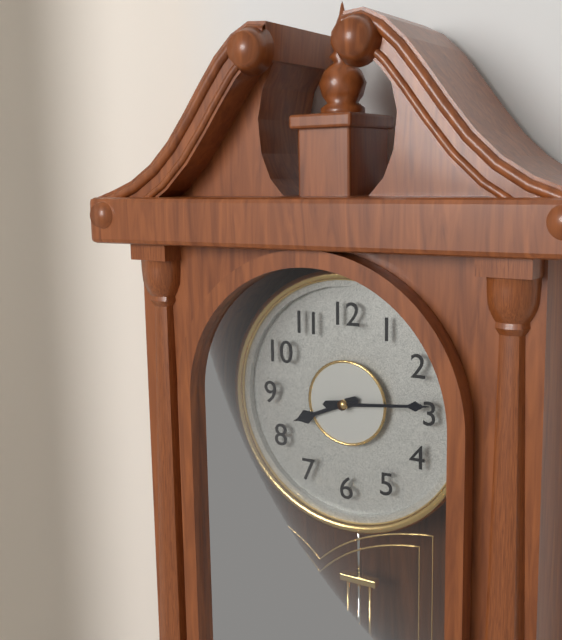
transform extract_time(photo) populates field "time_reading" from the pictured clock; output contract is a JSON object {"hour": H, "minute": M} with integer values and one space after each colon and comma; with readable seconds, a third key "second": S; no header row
{"hour": 8, "minute": 14}
